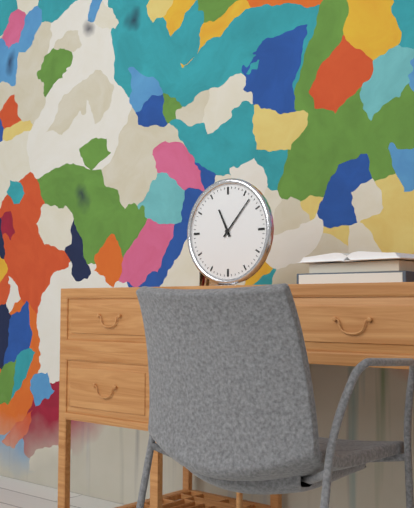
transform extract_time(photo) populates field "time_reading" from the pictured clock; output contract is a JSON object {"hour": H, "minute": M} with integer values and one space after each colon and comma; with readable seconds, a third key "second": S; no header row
{"hour": 11, "minute": 7}
